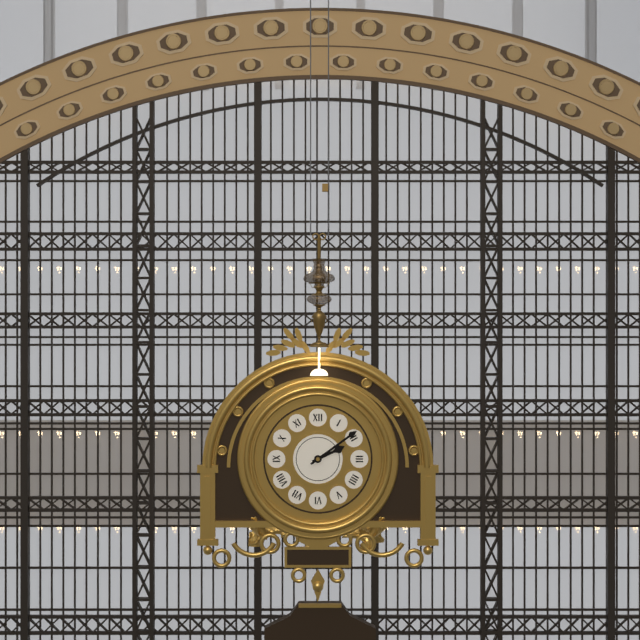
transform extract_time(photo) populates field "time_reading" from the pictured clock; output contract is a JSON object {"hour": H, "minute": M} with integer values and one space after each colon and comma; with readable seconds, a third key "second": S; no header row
{"hour": 2, "minute": 9}
